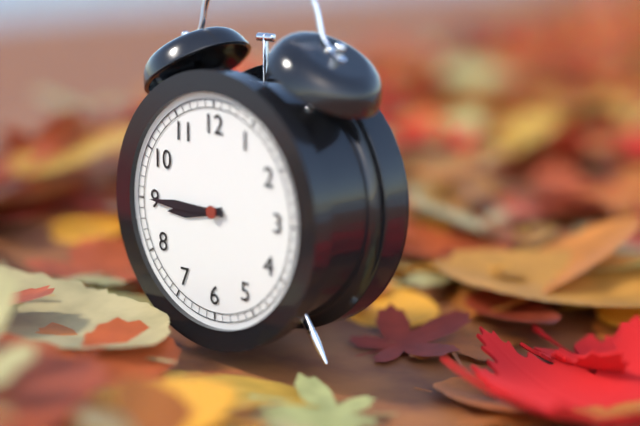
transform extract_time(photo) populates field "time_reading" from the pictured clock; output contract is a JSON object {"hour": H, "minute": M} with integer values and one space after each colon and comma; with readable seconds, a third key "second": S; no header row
{"hour": 8, "minute": 45}
